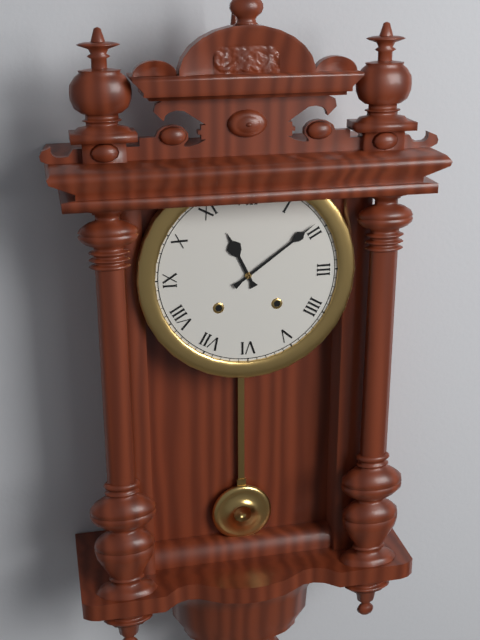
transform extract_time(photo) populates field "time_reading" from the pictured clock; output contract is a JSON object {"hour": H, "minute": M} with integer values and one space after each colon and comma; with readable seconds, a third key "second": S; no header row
{"hour": 11, "minute": 9}
